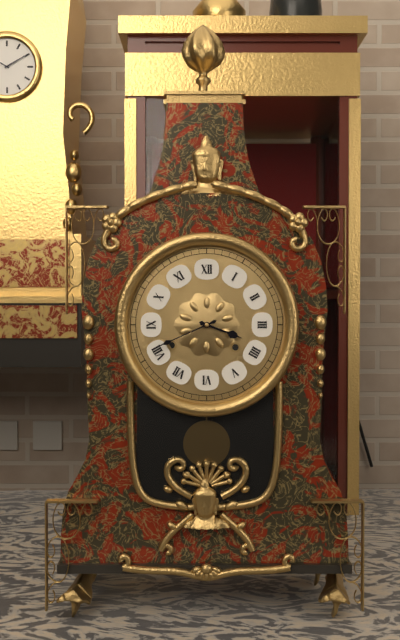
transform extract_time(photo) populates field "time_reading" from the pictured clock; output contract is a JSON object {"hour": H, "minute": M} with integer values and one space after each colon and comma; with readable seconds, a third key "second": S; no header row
{"hour": 3, "minute": 41}
